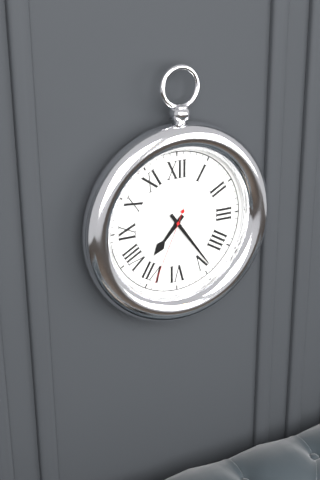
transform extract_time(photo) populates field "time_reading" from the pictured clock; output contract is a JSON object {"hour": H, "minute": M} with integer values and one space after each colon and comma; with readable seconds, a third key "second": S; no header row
{"hour": 7, "minute": 24, "second": 34}
